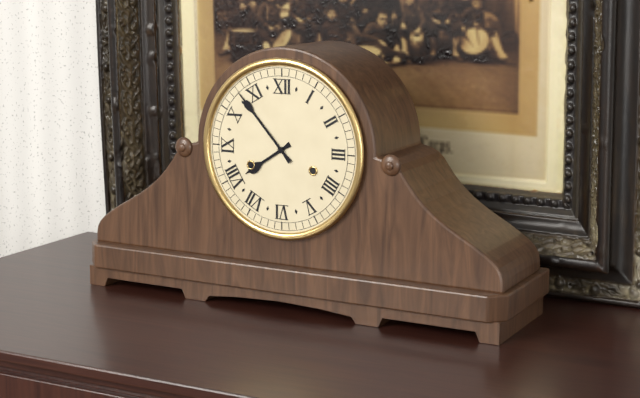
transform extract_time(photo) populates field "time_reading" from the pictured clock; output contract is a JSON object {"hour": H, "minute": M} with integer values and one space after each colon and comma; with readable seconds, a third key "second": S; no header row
{"hour": 7, "minute": 53}
